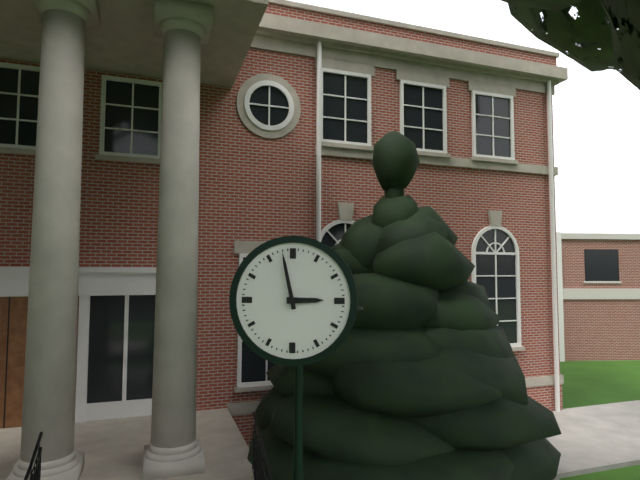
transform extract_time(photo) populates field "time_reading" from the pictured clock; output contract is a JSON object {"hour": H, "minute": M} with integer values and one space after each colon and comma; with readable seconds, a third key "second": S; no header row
{"hour": 2, "minute": 58}
